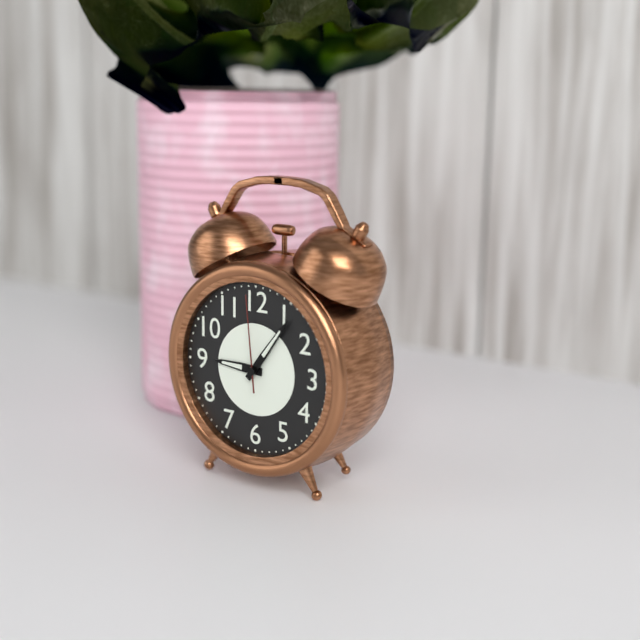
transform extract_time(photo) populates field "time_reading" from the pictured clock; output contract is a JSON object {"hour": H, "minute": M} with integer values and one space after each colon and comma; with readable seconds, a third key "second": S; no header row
{"hour": 9, "minute": 6, "second": 59}
